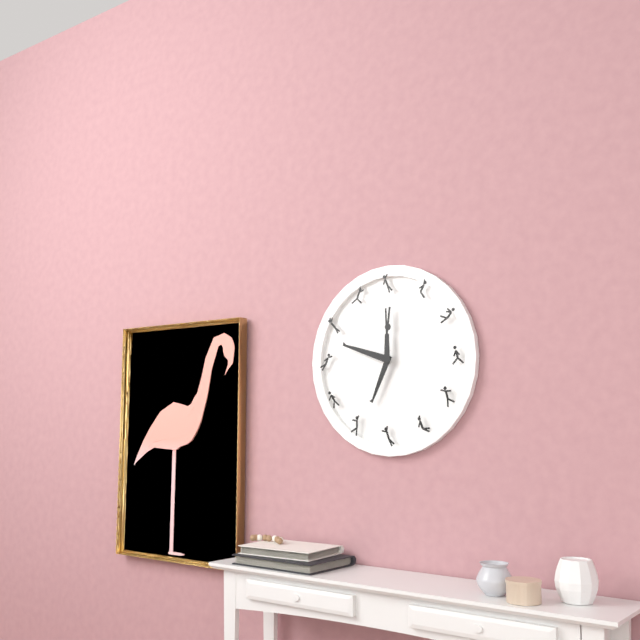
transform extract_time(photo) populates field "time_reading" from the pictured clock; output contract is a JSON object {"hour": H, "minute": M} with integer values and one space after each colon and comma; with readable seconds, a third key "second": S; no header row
{"hour": 6, "minute": 48}
